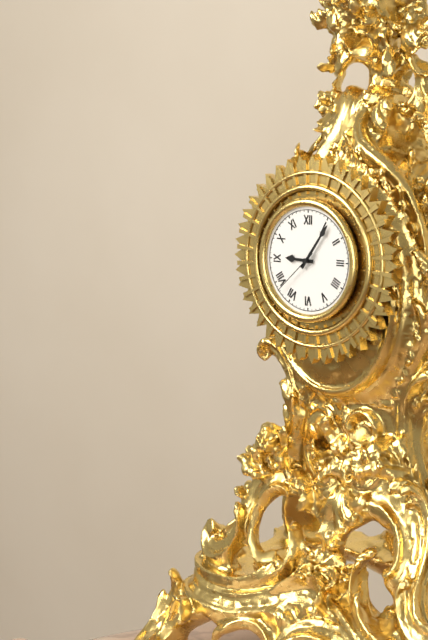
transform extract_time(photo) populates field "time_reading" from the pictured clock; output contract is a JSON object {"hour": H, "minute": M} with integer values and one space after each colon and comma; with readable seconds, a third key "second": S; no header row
{"hour": 9, "minute": 6, "second": 38}
